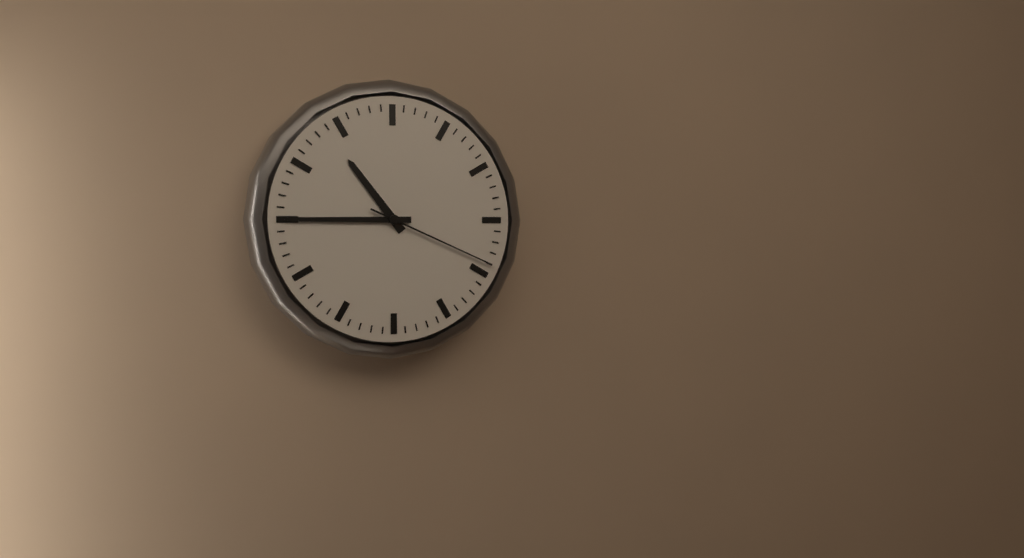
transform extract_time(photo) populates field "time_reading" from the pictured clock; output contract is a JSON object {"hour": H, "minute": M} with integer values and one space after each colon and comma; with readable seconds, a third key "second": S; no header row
{"hour": 10, "minute": 45, "second": 19}
